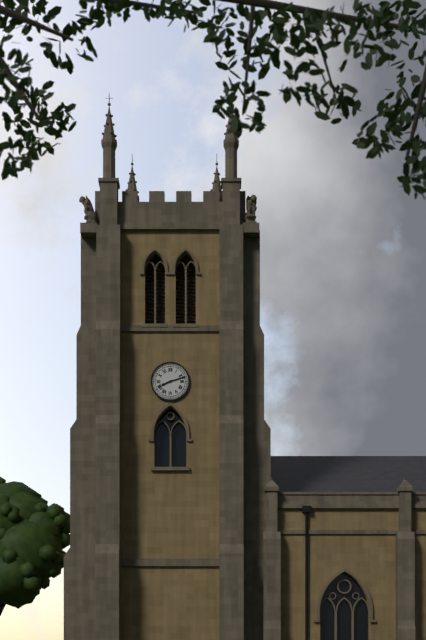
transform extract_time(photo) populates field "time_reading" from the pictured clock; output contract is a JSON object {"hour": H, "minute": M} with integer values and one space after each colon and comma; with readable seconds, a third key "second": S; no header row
{"hour": 8, "minute": 12}
